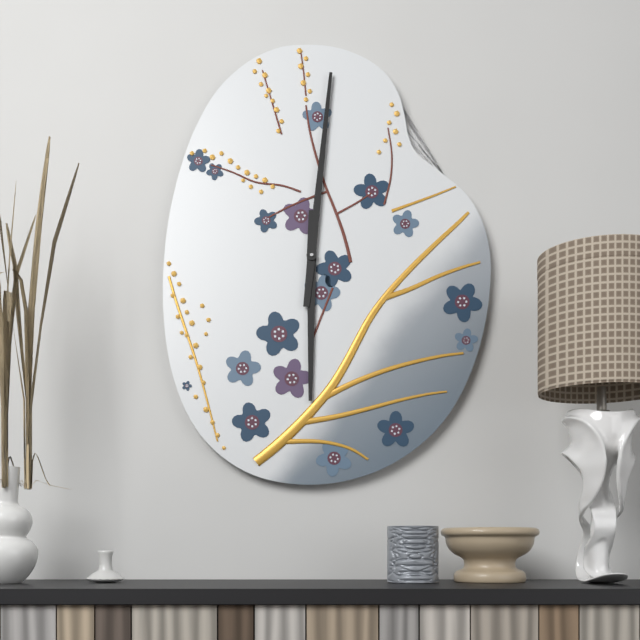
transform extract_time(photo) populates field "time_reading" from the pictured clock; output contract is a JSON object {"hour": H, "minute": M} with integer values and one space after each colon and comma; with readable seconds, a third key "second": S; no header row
{"hour": 6, "minute": 1}
